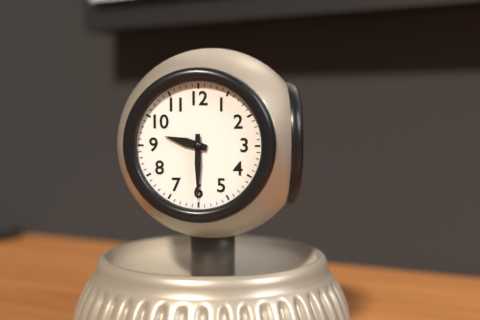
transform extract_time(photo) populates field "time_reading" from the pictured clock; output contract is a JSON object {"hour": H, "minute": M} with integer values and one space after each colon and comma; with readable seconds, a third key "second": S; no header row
{"hour": 9, "minute": 30}
